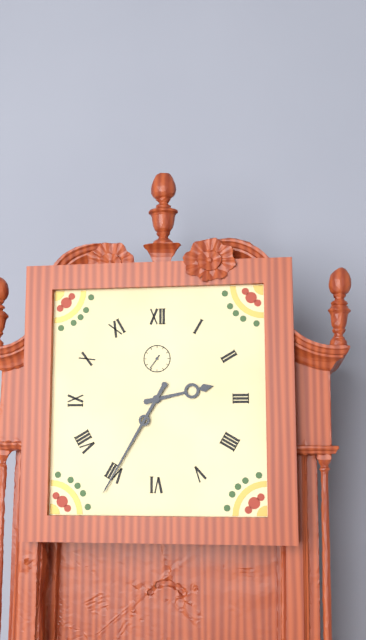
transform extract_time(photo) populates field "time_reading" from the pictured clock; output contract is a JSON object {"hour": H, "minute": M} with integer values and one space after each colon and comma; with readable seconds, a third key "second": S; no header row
{"hour": 2, "minute": 35}
